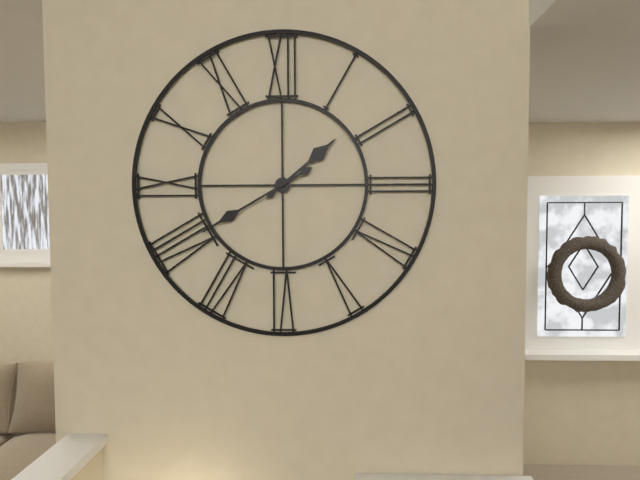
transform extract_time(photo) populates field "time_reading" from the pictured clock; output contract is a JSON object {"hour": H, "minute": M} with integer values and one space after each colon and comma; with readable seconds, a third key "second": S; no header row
{"hour": 1, "minute": 40}
